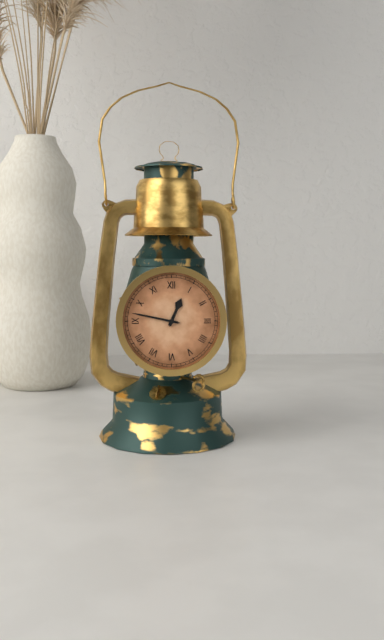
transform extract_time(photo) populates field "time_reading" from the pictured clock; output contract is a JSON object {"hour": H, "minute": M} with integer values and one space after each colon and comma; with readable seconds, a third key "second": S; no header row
{"hour": 12, "minute": 47}
